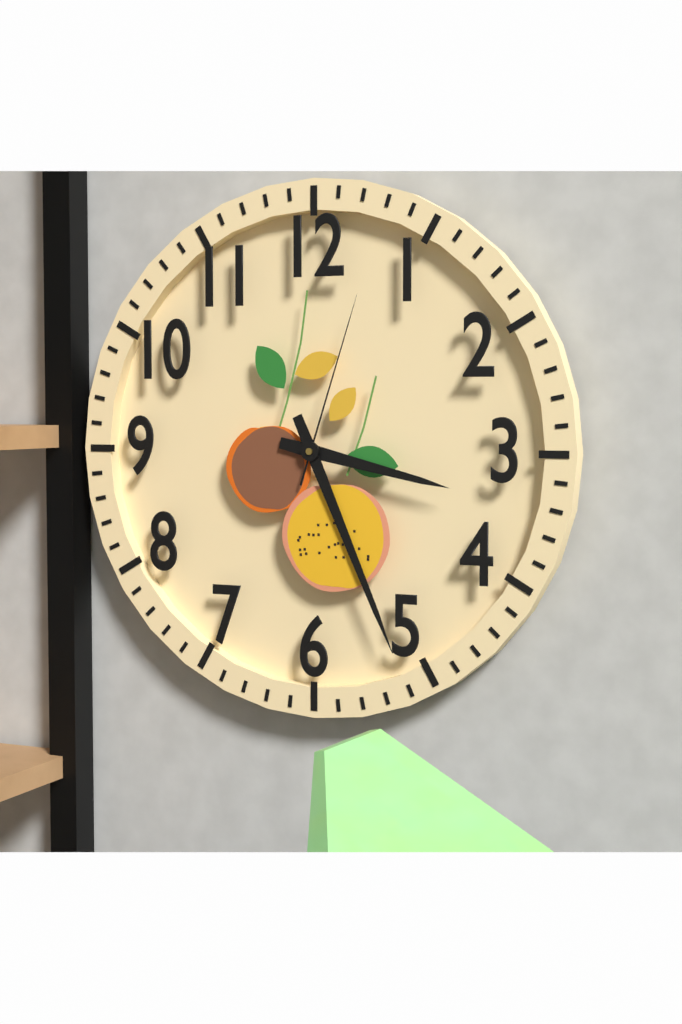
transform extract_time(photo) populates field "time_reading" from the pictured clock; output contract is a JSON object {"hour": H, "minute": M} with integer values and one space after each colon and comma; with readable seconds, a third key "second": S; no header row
{"hour": 3, "minute": 26, "second": 3}
